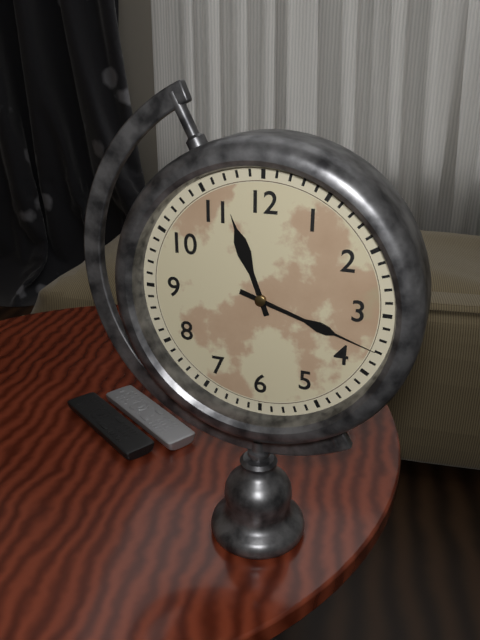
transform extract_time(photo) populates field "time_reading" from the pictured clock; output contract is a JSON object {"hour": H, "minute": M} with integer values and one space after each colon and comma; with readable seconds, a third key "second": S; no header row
{"hour": 11, "minute": 18}
